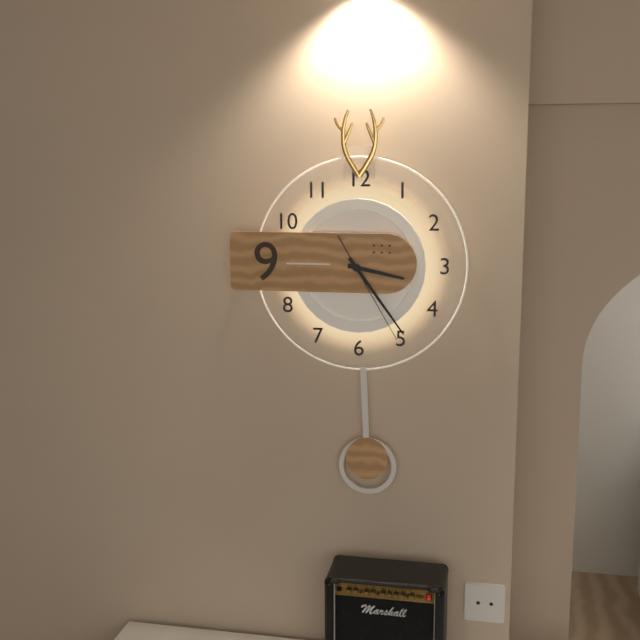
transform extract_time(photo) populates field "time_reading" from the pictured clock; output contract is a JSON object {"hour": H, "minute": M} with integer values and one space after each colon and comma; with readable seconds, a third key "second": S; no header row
{"hour": 3, "minute": 24, "second": 25}
